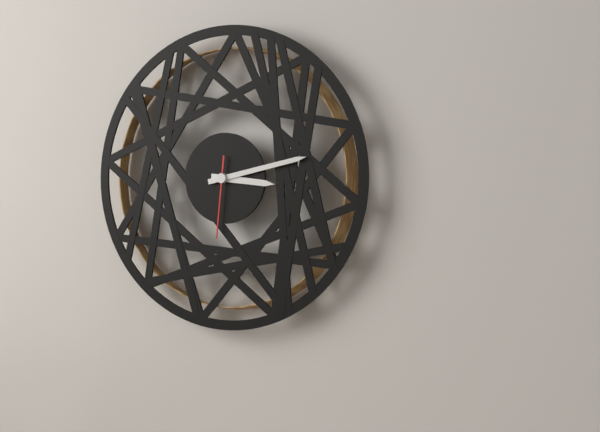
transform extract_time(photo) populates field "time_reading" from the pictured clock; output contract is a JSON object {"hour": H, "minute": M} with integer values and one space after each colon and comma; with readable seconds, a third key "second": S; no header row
{"hour": 3, "minute": 13, "second": 31}
